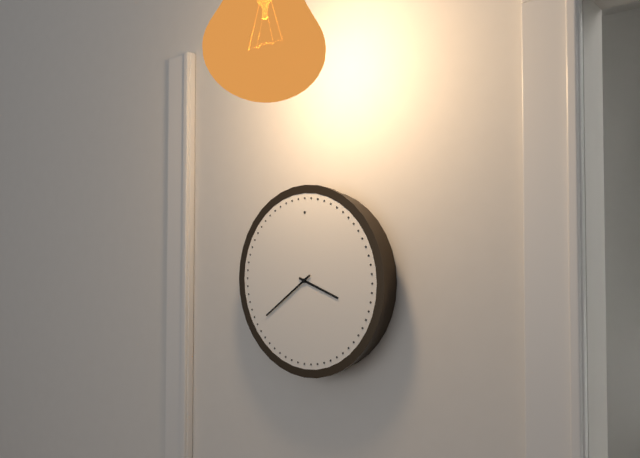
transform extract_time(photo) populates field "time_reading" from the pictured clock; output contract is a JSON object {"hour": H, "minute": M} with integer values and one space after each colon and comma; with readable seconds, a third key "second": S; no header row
{"hour": 3, "minute": 39}
